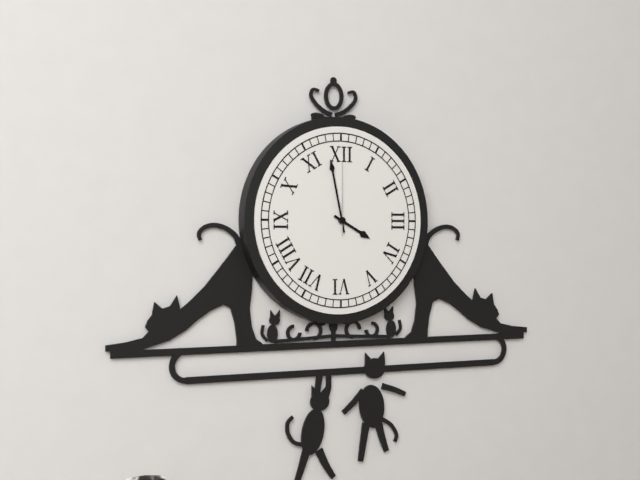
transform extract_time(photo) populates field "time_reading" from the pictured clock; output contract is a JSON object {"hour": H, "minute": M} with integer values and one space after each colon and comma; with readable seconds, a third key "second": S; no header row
{"hour": 3, "minute": 58, "second": 0}
